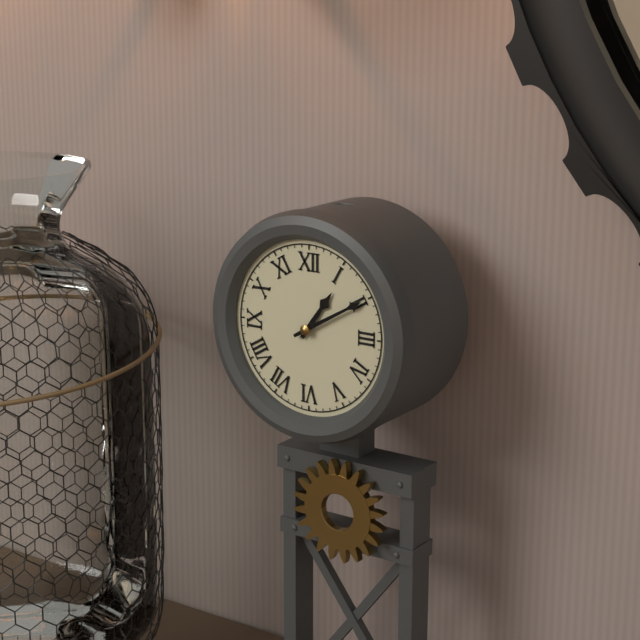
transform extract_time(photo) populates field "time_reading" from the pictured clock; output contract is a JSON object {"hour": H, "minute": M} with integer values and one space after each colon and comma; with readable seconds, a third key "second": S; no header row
{"hour": 1, "minute": 10}
